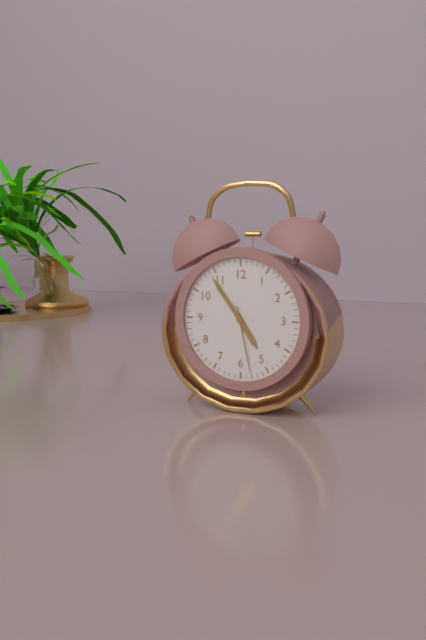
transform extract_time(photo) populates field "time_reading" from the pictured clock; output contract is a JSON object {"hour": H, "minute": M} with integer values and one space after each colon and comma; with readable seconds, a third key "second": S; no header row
{"hour": 4, "minute": 54, "second": 28}
